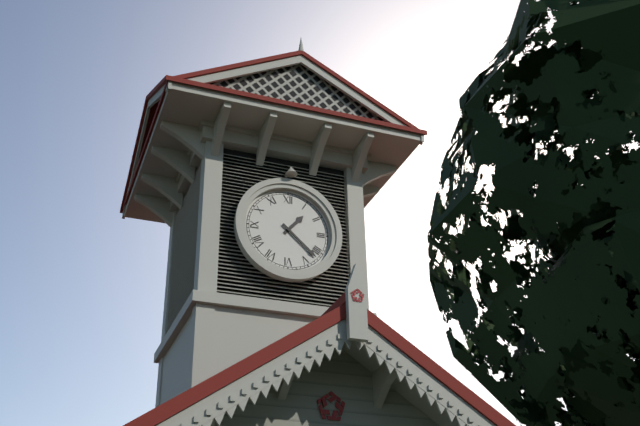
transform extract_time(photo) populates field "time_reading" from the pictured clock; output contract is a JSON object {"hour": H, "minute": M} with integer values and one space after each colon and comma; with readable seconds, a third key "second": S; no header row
{"hour": 1, "minute": 22}
